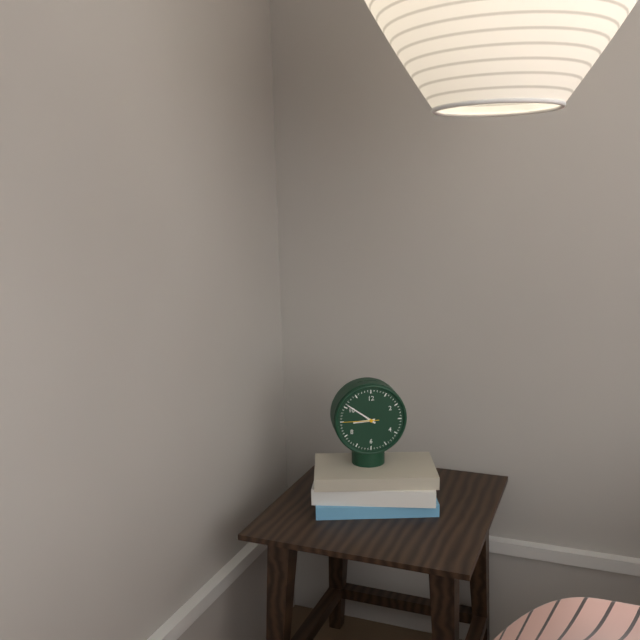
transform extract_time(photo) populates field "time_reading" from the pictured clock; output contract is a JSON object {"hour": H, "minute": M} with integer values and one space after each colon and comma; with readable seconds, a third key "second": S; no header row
{"hour": 8, "minute": 51}
